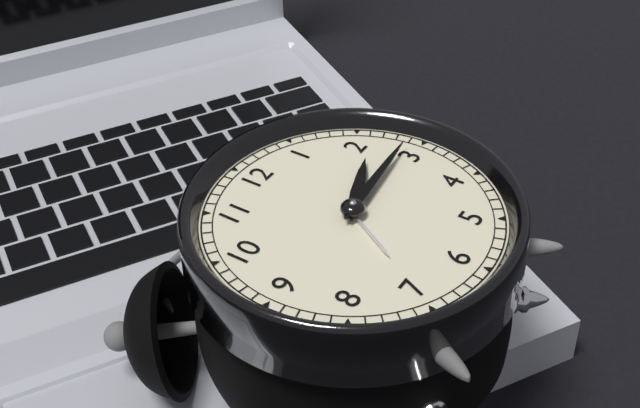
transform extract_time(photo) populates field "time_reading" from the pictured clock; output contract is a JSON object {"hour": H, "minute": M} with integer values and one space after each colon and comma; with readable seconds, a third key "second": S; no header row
{"hour": 2, "minute": 14}
